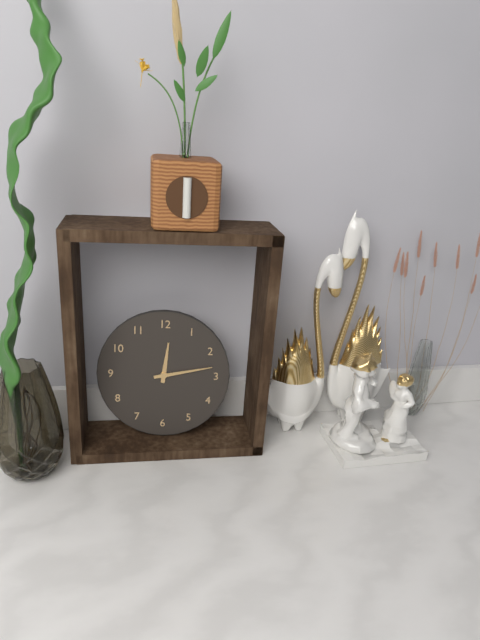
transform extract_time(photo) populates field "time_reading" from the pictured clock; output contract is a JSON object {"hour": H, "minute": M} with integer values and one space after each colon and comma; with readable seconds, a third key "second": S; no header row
{"hour": 12, "minute": 13}
